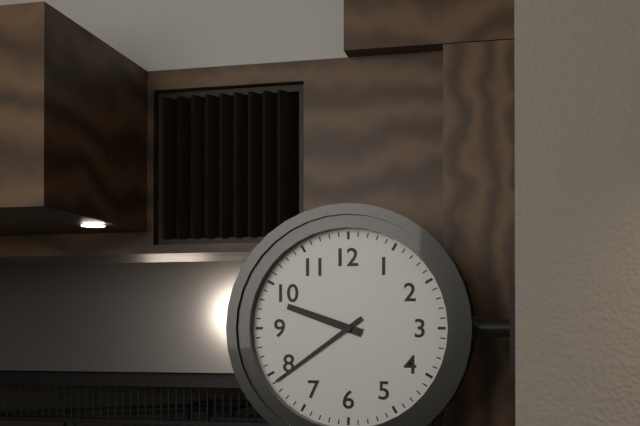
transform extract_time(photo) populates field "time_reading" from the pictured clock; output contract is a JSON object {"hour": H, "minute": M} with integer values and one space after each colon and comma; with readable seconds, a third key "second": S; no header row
{"hour": 9, "minute": 39}
